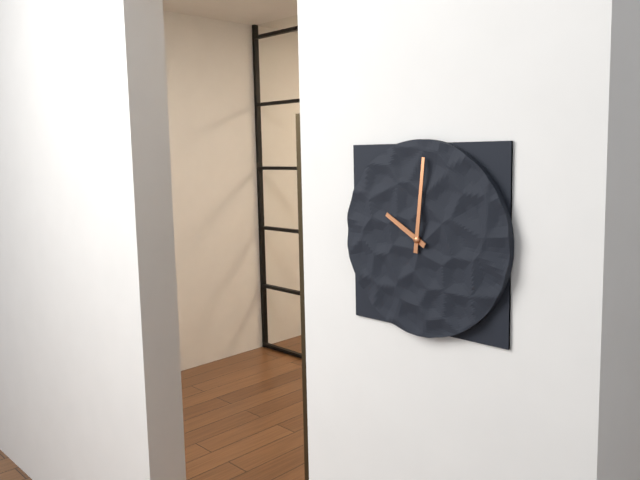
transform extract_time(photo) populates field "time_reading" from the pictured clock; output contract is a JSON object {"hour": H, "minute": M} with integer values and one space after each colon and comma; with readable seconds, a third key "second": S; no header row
{"hour": 10, "minute": 1}
